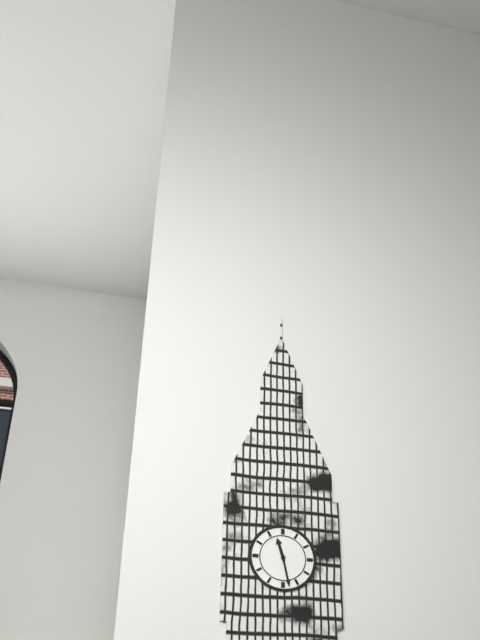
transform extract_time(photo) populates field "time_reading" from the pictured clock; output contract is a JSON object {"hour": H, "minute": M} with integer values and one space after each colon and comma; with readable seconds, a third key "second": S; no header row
{"hour": 11, "minute": 28}
